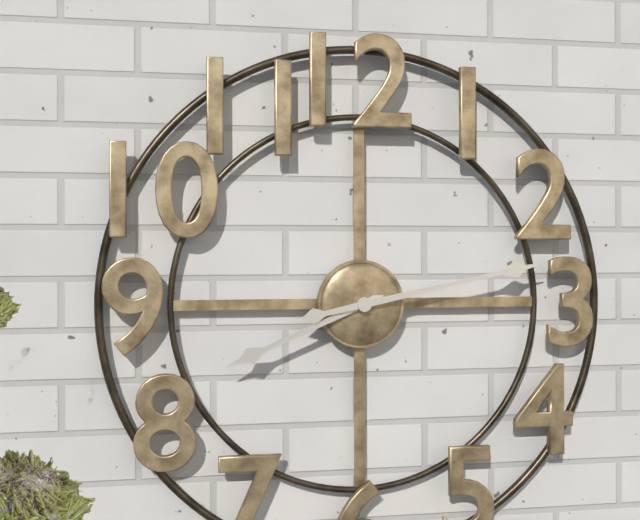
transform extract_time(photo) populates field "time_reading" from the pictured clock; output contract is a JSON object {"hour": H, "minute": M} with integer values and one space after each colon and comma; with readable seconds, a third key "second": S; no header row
{"hour": 8, "minute": 13}
